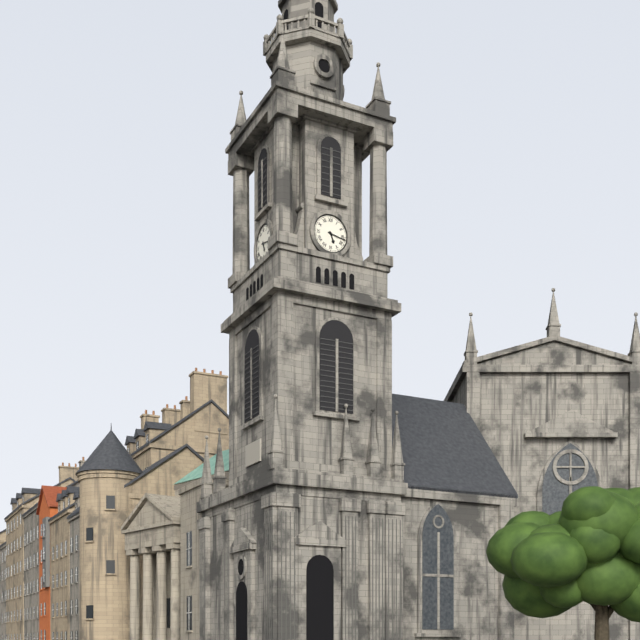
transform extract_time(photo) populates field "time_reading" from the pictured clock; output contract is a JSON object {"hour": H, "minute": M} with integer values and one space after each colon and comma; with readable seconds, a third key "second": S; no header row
{"hour": 5, "minute": 17}
